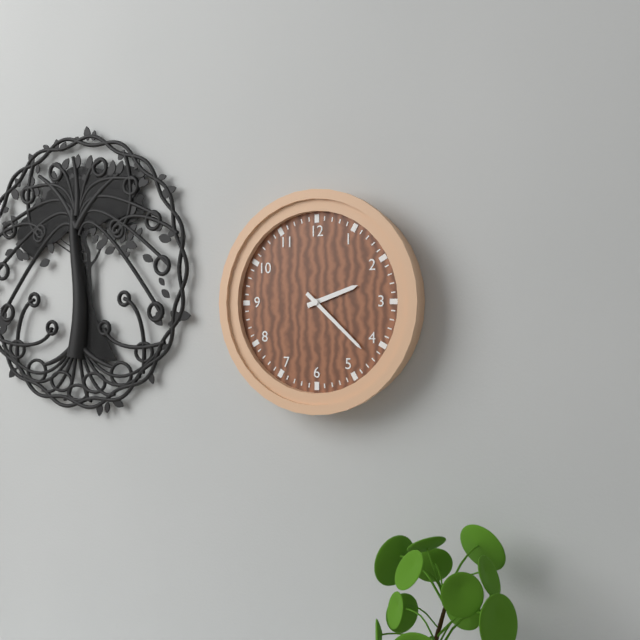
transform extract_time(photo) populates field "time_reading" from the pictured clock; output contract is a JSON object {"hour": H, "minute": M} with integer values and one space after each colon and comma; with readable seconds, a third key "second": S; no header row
{"hour": 2, "minute": 22}
